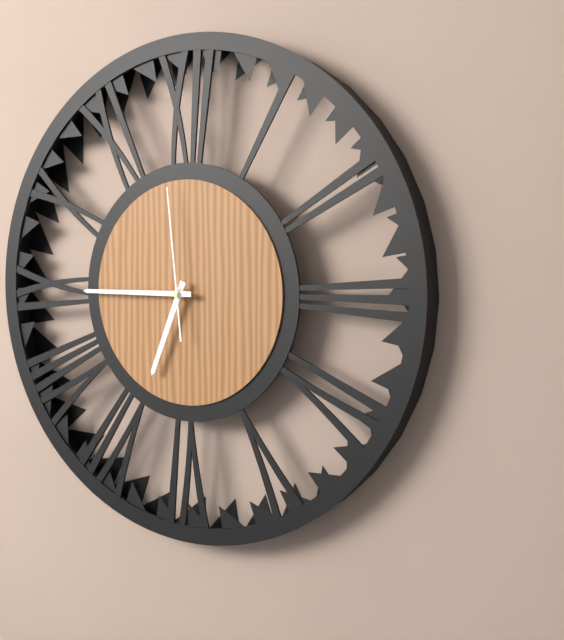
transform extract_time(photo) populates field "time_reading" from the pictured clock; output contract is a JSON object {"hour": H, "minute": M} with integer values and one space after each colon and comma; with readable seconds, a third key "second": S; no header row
{"hour": 6, "minute": 45, "second": 59}
